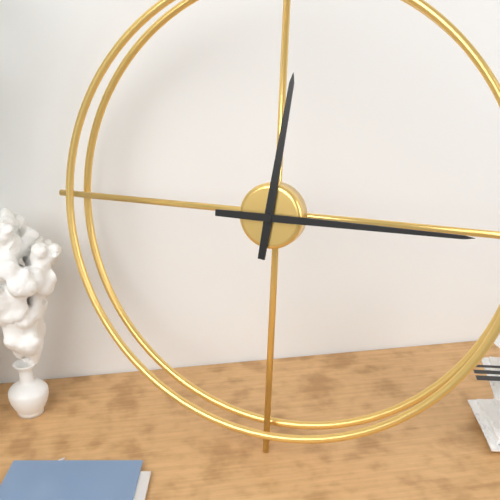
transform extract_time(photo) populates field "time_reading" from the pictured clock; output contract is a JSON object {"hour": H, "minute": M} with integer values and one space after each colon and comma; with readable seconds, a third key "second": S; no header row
{"hour": 12, "minute": 15}
